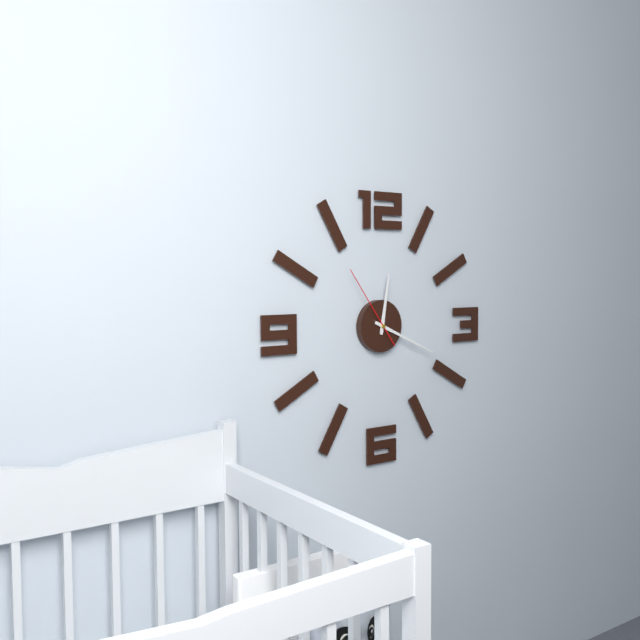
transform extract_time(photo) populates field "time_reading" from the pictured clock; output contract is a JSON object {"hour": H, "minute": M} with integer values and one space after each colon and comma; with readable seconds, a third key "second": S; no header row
{"hour": 12, "minute": 19, "second": 54}
